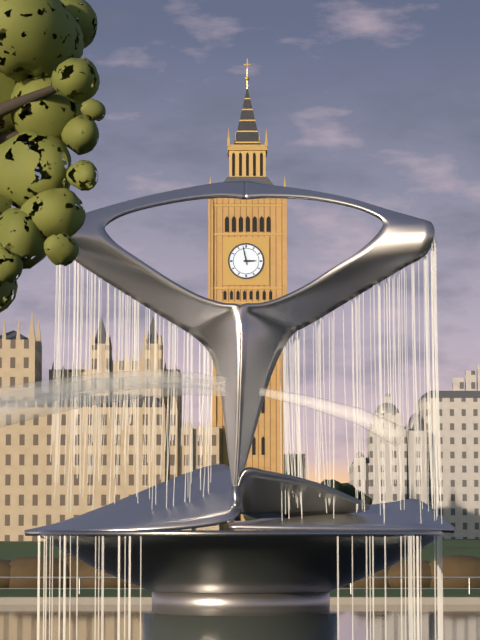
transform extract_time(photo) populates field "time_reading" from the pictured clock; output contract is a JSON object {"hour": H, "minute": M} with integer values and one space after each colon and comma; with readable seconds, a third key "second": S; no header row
{"hour": 2, "minute": 58}
